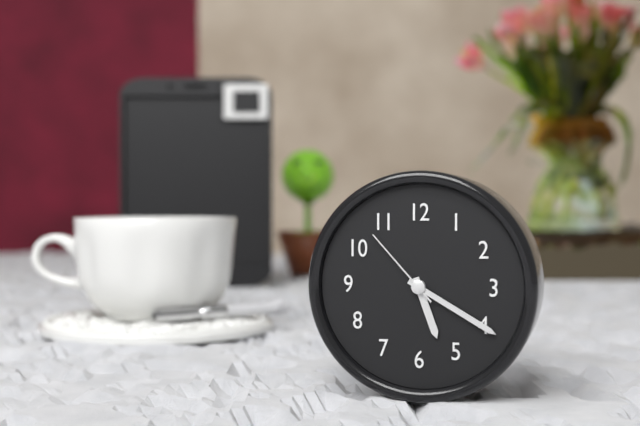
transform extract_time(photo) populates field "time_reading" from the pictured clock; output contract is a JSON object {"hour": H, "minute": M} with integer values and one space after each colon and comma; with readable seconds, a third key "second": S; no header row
{"hour": 5, "minute": 20, "second": 53}
